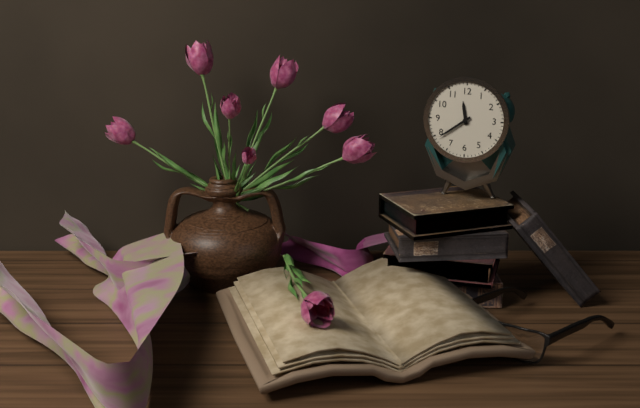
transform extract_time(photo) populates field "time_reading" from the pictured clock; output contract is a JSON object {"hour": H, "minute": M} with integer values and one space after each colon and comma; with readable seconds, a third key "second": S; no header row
{"hour": 11, "minute": 39}
